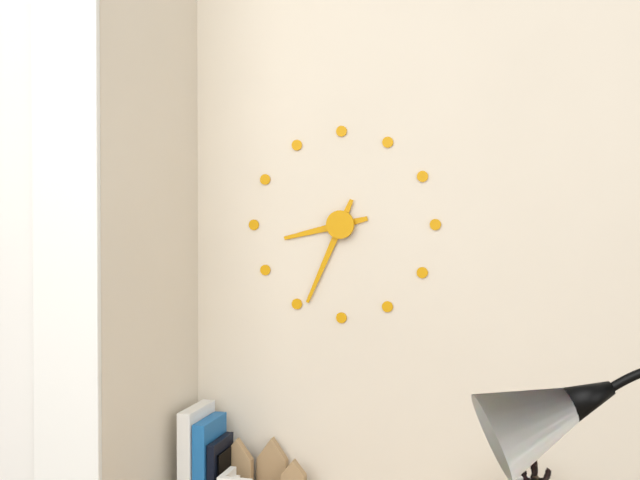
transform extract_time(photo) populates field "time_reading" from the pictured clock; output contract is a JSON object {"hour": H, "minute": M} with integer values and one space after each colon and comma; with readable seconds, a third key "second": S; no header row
{"hour": 8, "minute": 34}
